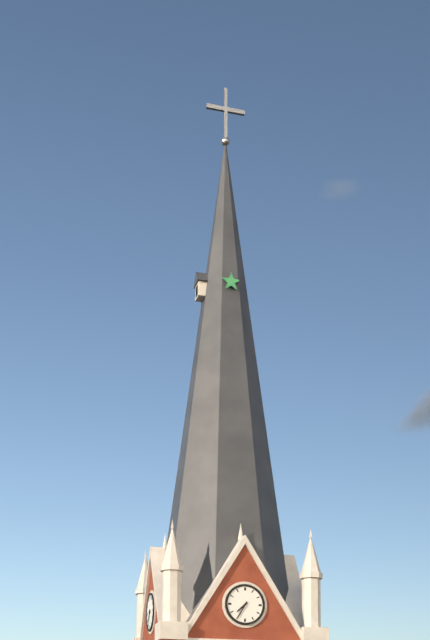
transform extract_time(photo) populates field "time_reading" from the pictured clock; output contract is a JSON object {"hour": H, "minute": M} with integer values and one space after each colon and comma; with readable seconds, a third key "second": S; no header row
{"hour": 7, "minute": 35}
